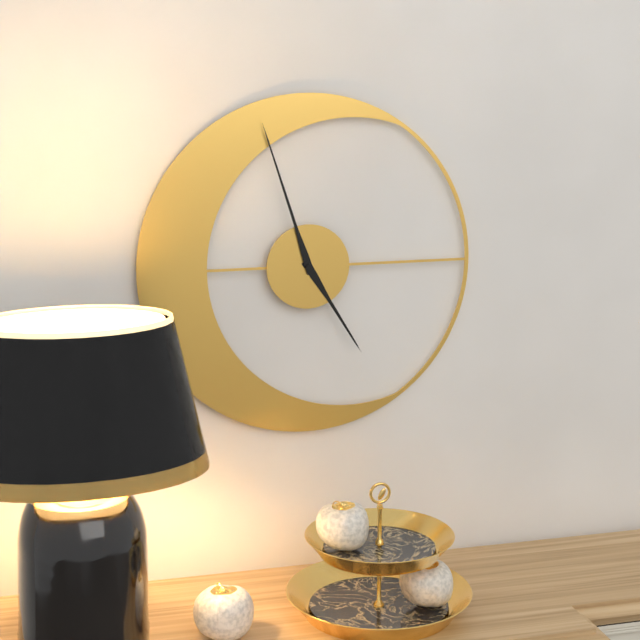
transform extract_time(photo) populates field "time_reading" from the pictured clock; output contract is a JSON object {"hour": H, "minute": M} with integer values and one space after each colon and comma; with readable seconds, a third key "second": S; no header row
{"hour": 4, "minute": 57}
